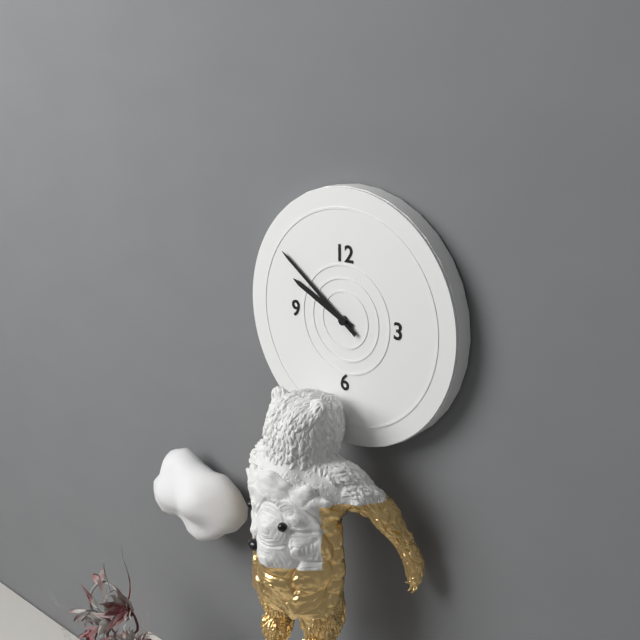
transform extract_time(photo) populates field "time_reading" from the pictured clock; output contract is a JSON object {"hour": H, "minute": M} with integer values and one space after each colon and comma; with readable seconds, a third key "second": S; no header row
{"hour": 9, "minute": 51}
